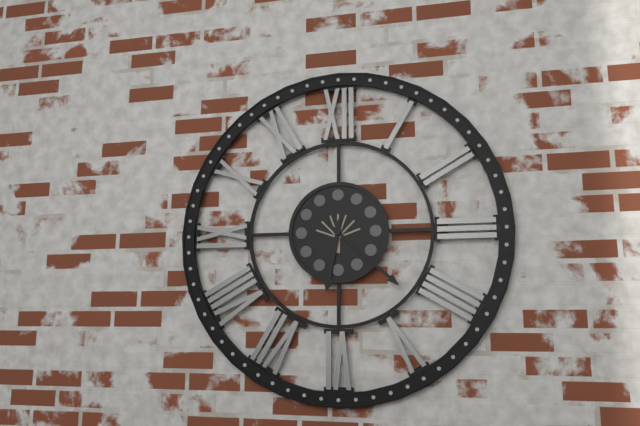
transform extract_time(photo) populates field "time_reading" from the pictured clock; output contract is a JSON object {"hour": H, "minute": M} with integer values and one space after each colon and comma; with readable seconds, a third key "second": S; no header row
{"hour": 6, "minute": 22}
